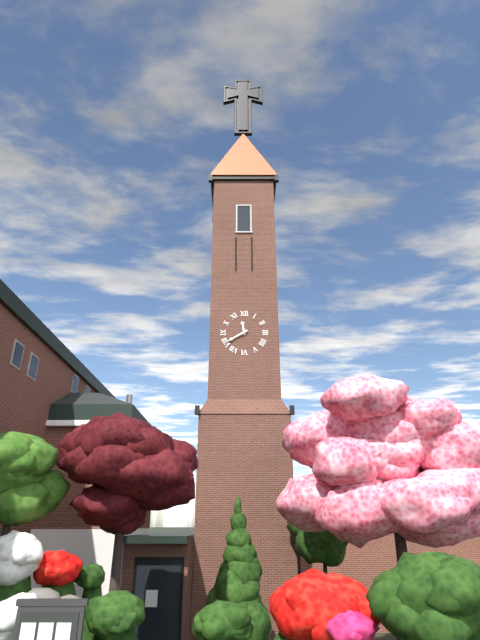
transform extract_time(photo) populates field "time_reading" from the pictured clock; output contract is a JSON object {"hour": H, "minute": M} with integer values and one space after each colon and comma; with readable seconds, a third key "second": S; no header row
{"hour": 11, "minute": 40}
